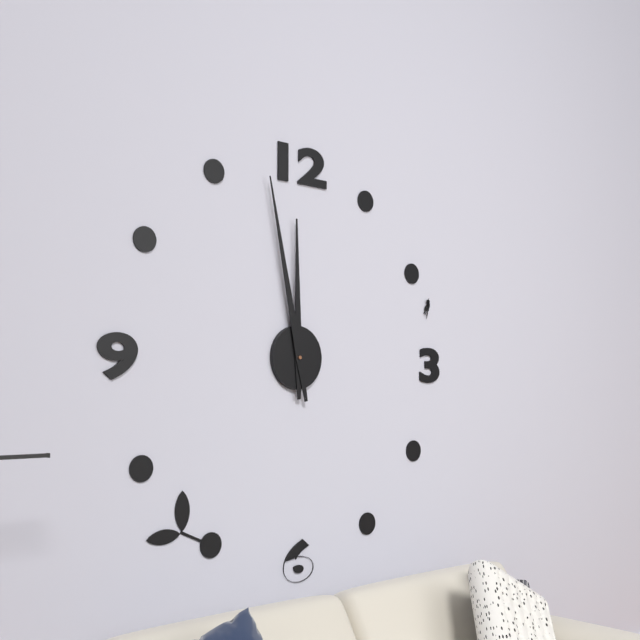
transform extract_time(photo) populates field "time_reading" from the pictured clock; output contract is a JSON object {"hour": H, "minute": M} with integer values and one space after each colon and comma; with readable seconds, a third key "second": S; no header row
{"hour": 11, "minute": 58}
